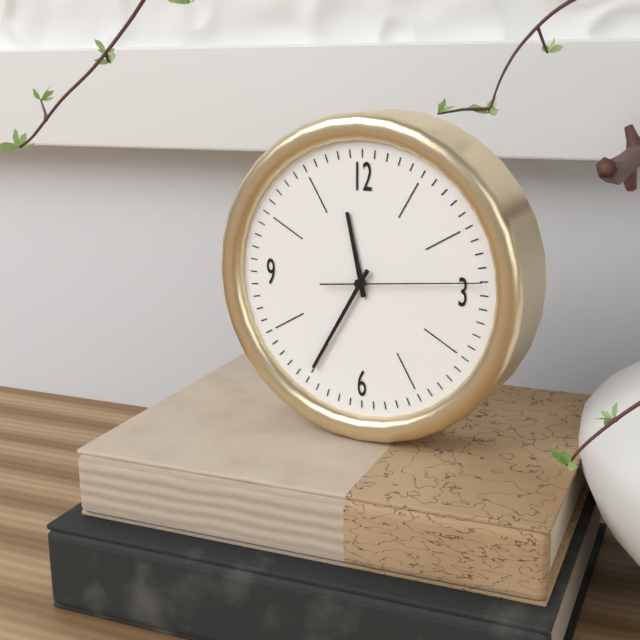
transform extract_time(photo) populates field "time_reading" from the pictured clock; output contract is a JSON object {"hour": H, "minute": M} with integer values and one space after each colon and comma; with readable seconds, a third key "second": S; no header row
{"hour": 11, "minute": 35, "second": 14}
